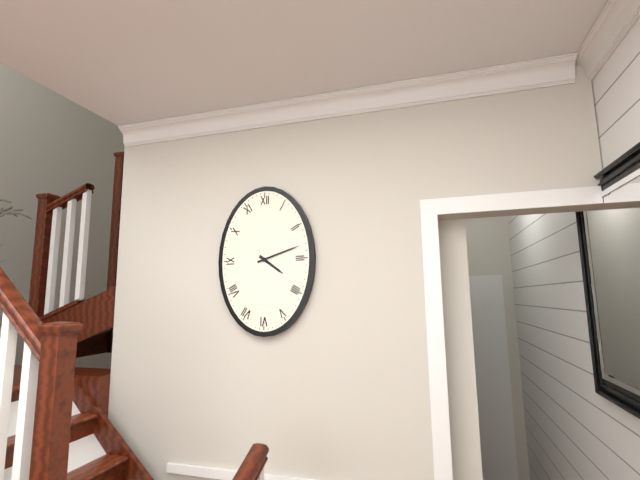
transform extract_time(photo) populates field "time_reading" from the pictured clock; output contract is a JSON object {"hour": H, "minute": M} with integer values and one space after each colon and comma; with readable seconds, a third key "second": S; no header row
{"hour": 4, "minute": 12}
